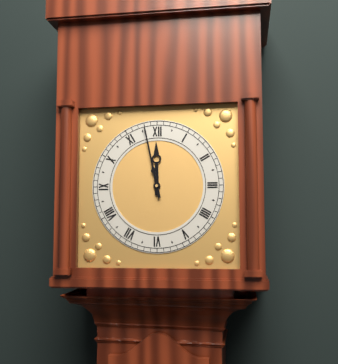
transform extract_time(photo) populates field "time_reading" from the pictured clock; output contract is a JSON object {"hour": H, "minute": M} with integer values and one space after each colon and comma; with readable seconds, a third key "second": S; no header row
{"hour": 11, "minute": 58}
